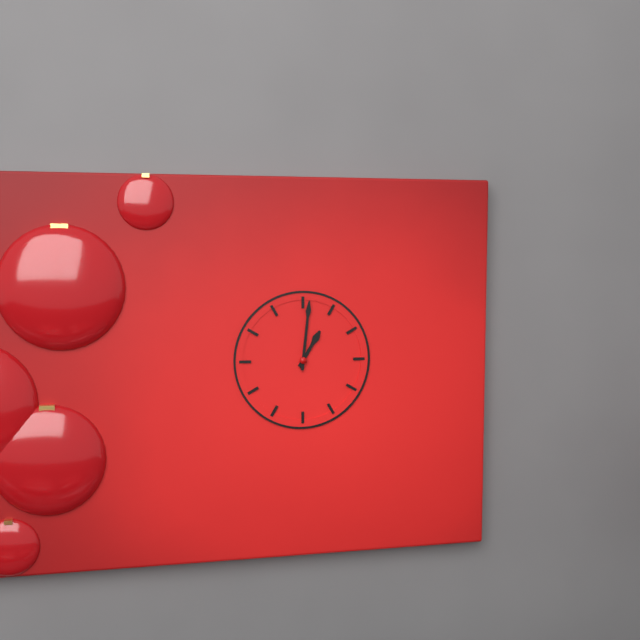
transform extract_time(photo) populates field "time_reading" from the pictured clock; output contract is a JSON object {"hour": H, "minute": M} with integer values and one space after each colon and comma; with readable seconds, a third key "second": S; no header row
{"hour": 1, "minute": 1}
